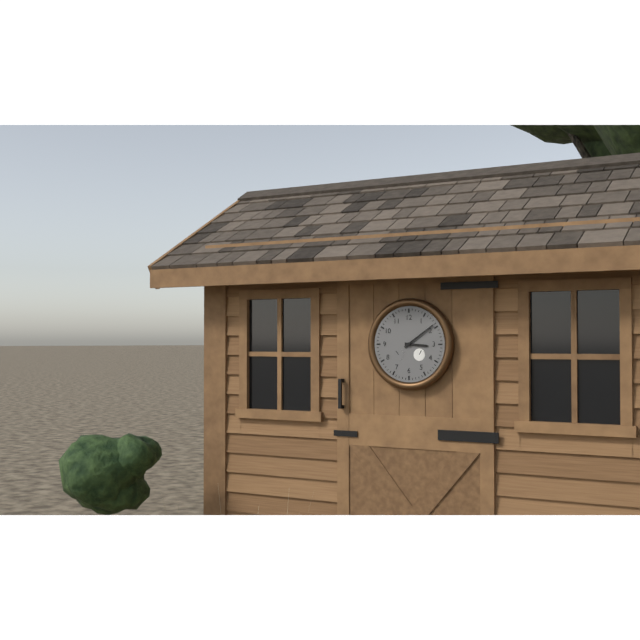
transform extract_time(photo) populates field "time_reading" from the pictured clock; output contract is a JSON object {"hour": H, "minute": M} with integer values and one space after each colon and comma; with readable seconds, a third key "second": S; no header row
{"hour": 3, "minute": 9}
